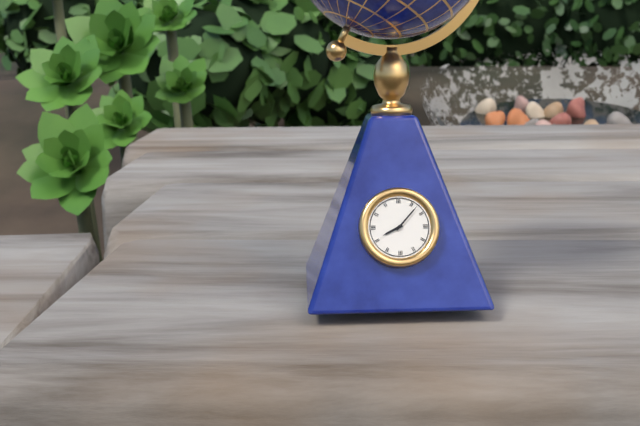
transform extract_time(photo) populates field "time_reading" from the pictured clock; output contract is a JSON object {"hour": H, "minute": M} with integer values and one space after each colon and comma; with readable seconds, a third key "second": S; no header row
{"hour": 8, "minute": 7}
